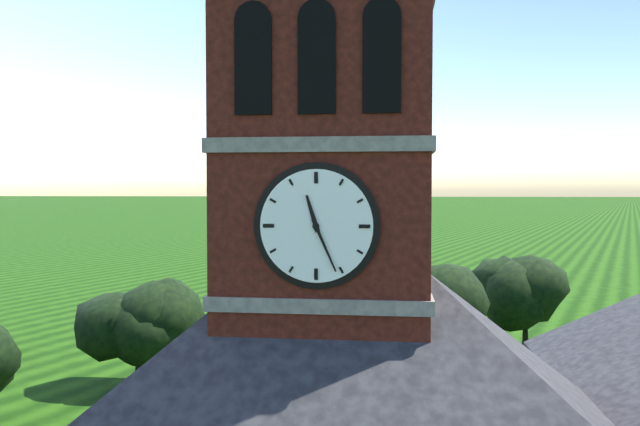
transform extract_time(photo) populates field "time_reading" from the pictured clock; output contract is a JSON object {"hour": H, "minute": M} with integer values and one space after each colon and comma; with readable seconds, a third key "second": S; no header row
{"hour": 11, "minute": 26}
